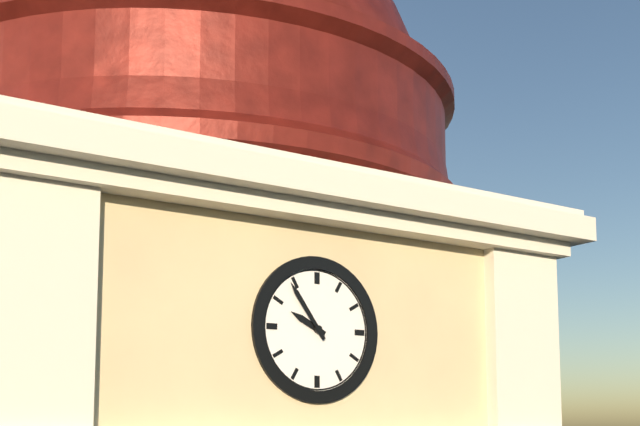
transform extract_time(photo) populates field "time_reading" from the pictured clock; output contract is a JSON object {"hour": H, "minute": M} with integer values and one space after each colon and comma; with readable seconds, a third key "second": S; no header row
{"hour": 9, "minute": 54}
